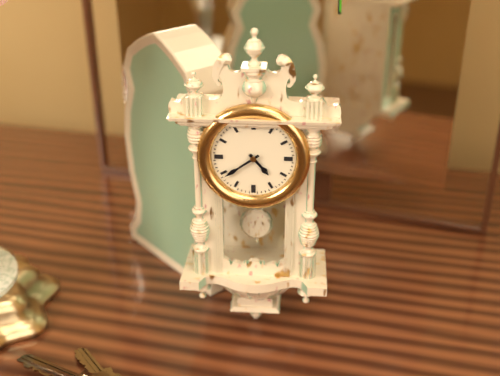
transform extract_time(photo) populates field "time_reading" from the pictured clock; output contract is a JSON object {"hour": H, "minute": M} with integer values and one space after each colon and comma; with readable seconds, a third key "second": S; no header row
{"hour": 4, "minute": 39}
